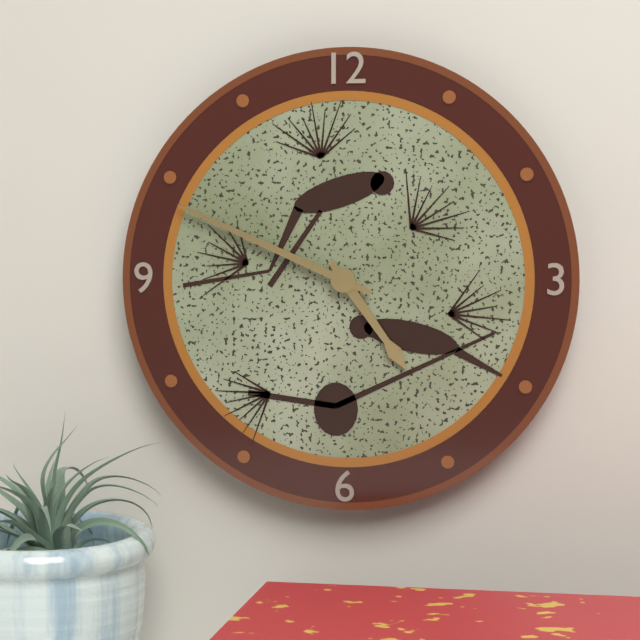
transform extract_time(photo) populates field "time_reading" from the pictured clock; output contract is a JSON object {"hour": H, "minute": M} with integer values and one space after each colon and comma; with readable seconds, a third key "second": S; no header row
{"hour": 4, "minute": 49}
